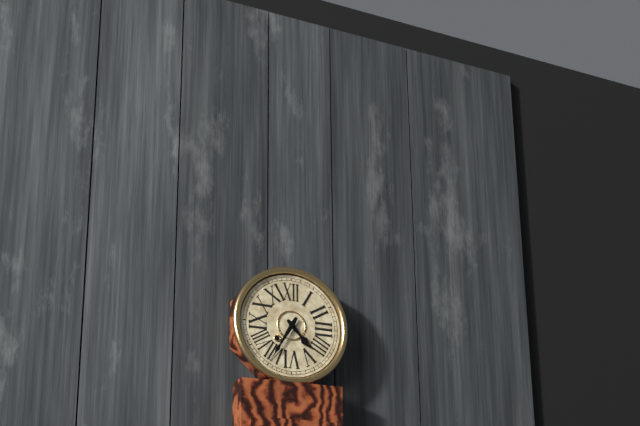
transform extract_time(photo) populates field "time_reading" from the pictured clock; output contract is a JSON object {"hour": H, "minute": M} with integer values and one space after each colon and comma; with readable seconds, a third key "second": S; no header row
{"hour": 4, "minute": 35}
